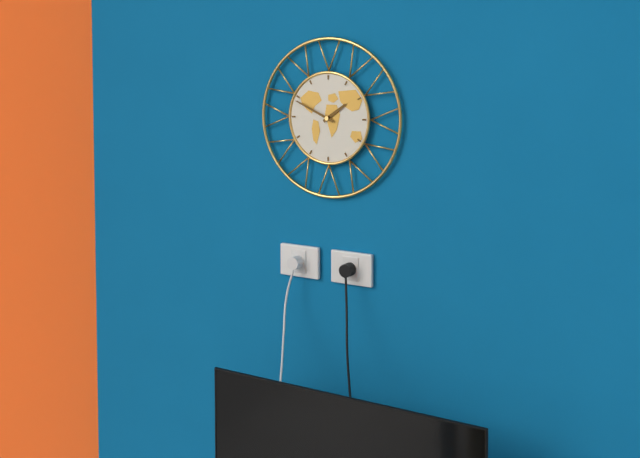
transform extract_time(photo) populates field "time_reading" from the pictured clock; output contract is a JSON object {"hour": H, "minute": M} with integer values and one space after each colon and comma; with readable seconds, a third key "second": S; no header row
{"hour": 1, "minute": 49}
